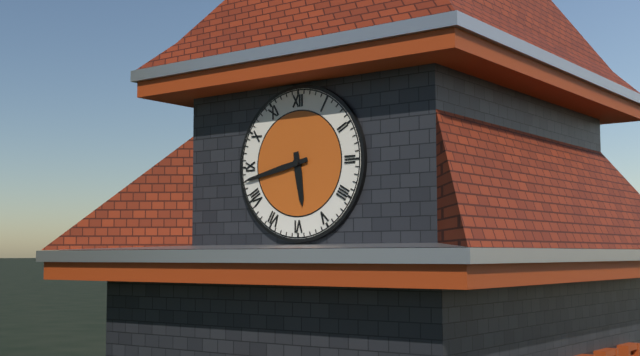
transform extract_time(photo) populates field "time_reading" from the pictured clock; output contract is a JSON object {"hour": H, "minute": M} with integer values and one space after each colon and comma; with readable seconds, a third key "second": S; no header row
{"hour": 5, "minute": 43}
